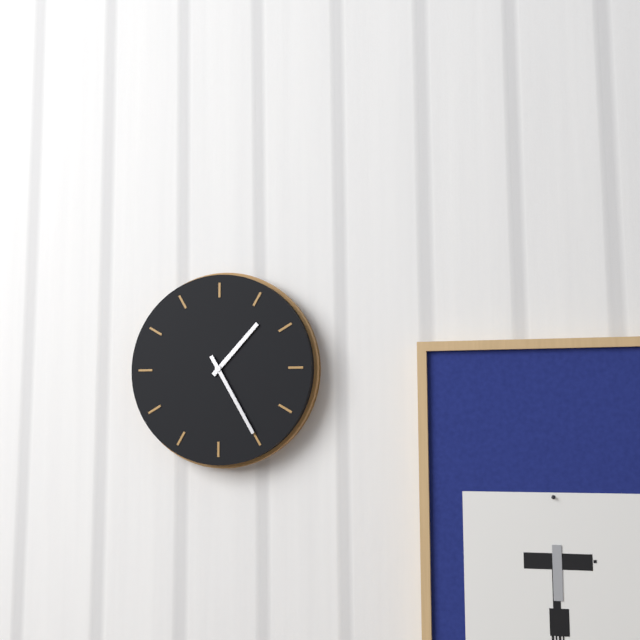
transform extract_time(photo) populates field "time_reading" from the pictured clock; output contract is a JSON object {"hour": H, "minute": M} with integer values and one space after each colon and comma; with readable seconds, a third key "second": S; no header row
{"hour": 1, "minute": 25}
